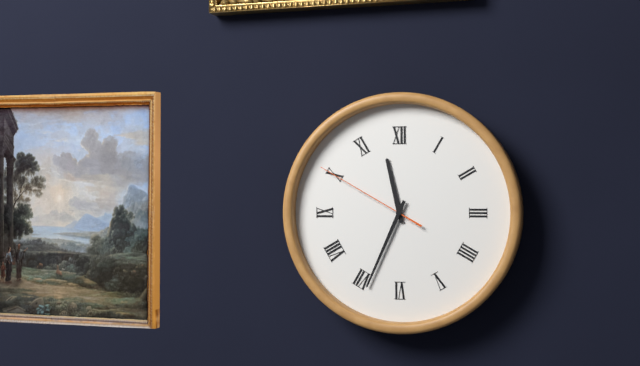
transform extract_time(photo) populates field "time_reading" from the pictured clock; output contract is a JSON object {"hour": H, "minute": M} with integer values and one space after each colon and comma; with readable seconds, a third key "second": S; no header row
{"hour": 11, "minute": 34, "second": 50}
